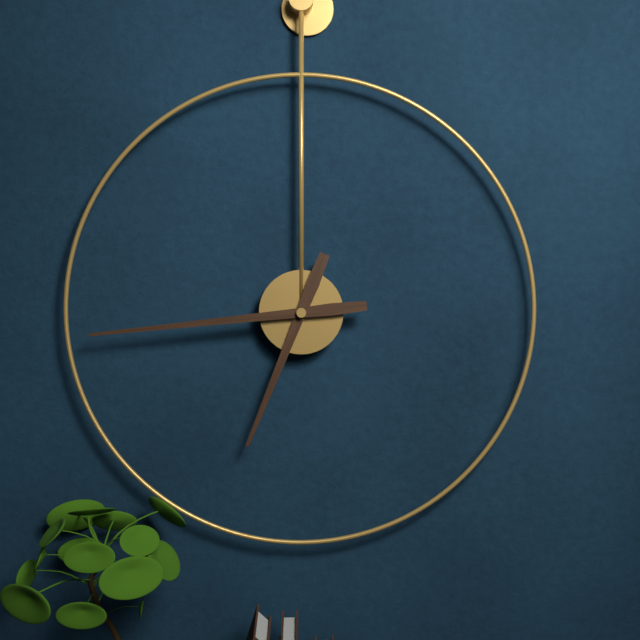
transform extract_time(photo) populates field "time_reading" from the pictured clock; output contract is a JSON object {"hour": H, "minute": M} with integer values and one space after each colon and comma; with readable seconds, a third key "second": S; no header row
{"hour": 6, "minute": 44}
